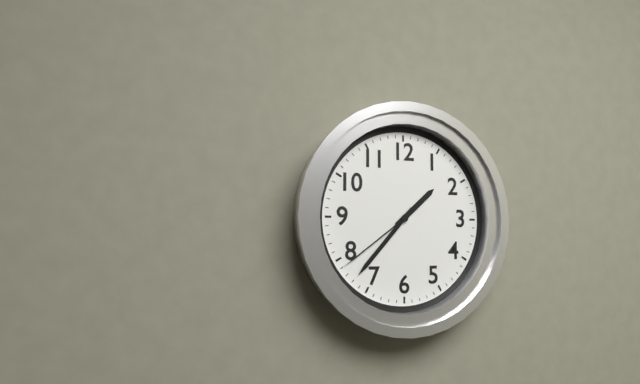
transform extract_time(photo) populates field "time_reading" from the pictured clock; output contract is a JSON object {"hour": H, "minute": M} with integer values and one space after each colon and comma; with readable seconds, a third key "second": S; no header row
{"hour": 1, "minute": 37, "second": 39}
